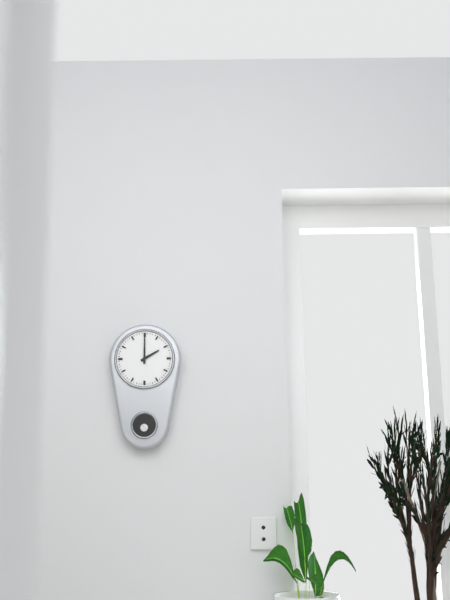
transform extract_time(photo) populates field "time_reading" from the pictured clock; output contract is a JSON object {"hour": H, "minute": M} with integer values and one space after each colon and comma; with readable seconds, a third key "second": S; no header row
{"hour": 2, "minute": 0}
